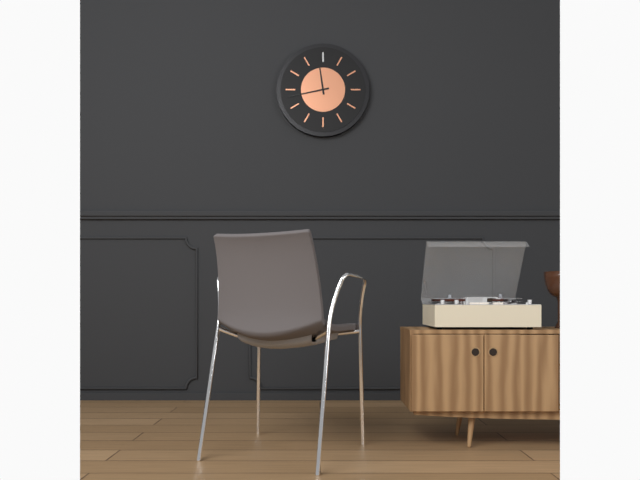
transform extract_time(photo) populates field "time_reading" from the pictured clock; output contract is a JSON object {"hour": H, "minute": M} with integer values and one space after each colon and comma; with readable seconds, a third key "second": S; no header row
{"hour": 11, "minute": 43}
